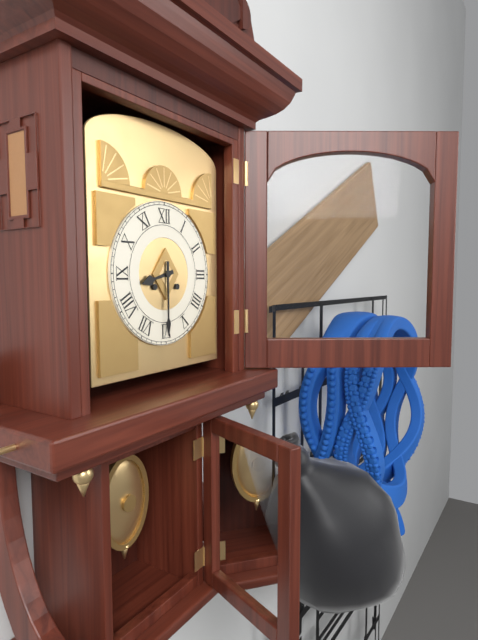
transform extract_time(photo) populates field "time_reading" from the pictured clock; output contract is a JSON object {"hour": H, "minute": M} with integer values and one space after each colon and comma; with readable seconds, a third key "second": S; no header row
{"hour": 8, "minute": 30}
